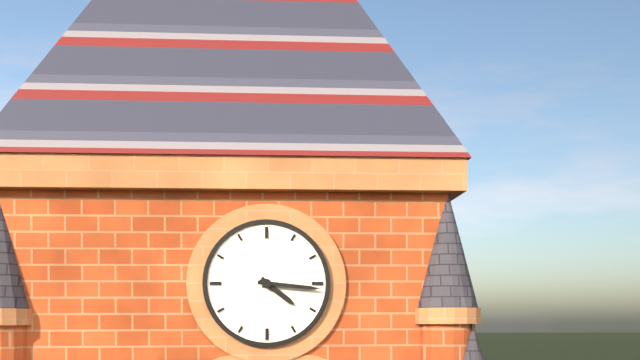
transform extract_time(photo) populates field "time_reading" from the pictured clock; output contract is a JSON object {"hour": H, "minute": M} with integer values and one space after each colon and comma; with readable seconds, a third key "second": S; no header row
{"hour": 4, "minute": 16}
